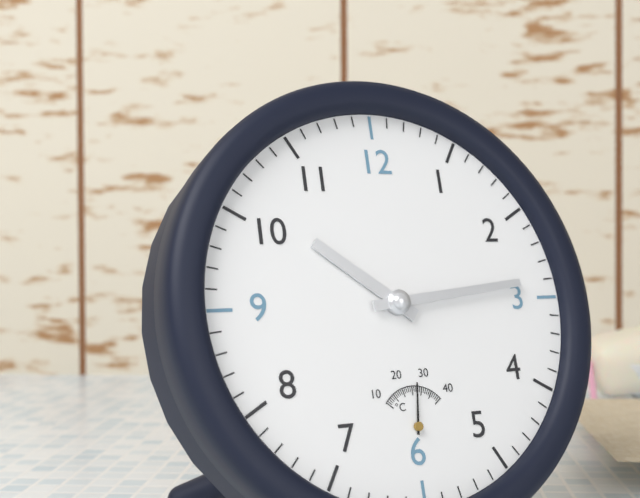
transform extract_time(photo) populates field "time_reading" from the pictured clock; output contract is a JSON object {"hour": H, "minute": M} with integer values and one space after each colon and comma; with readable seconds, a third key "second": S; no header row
{"hour": 10, "minute": 14}
